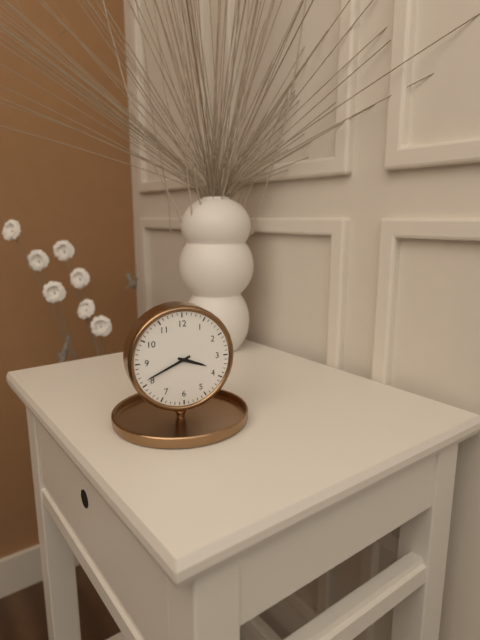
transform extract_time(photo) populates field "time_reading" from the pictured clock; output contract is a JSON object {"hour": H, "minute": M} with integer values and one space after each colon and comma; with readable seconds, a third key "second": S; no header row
{"hour": 3, "minute": 41}
